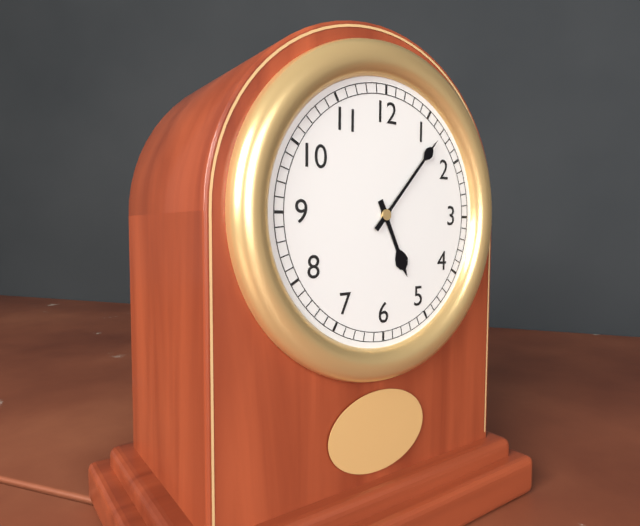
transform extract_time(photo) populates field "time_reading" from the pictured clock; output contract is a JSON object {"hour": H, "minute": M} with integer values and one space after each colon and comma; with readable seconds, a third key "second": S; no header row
{"hour": 5, "minute": 7}
